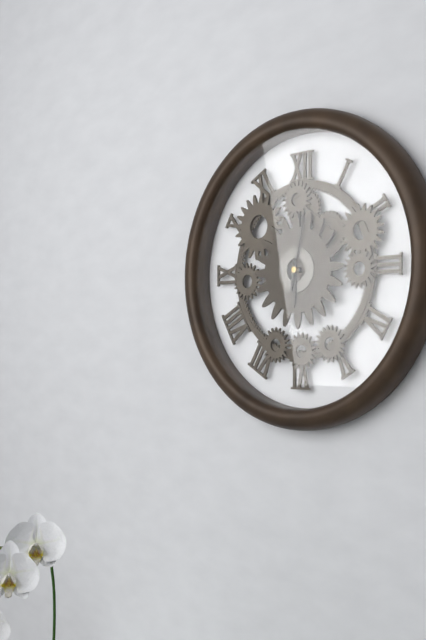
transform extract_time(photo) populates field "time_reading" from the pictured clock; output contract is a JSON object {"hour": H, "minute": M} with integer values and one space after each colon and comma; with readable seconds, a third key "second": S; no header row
{"hour": 6, "minute": 2}
